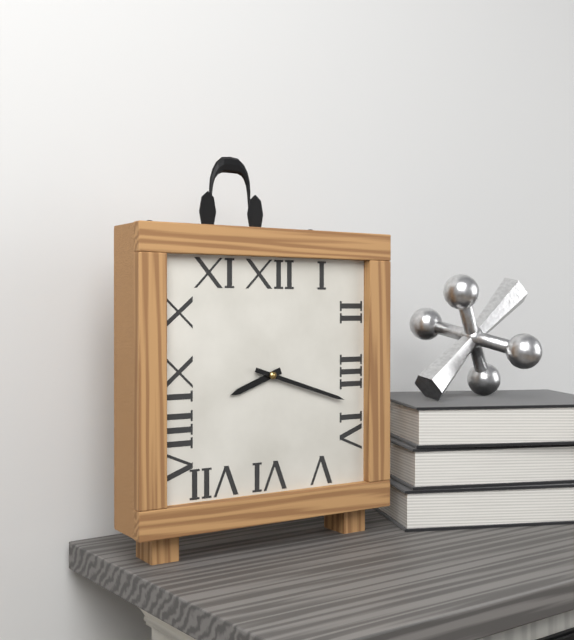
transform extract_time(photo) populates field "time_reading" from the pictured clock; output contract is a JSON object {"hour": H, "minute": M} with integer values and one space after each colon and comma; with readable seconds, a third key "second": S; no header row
{"hour": 8, "minute": 18}
